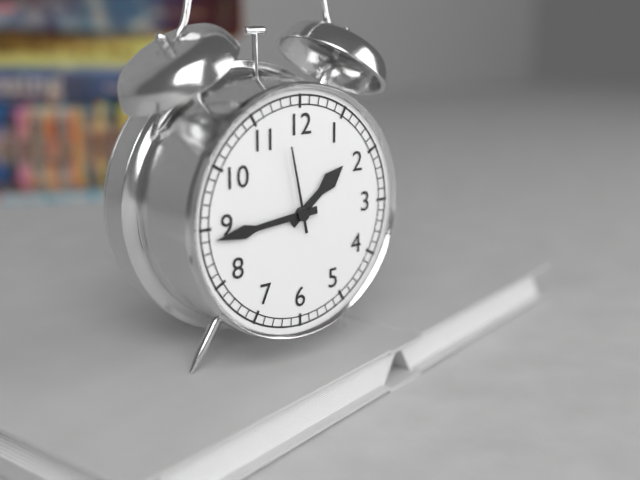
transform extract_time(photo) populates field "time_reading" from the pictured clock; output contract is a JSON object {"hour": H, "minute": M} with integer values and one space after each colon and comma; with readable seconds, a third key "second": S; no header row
{"hour": 1, "minute": 44, "second": 58}
